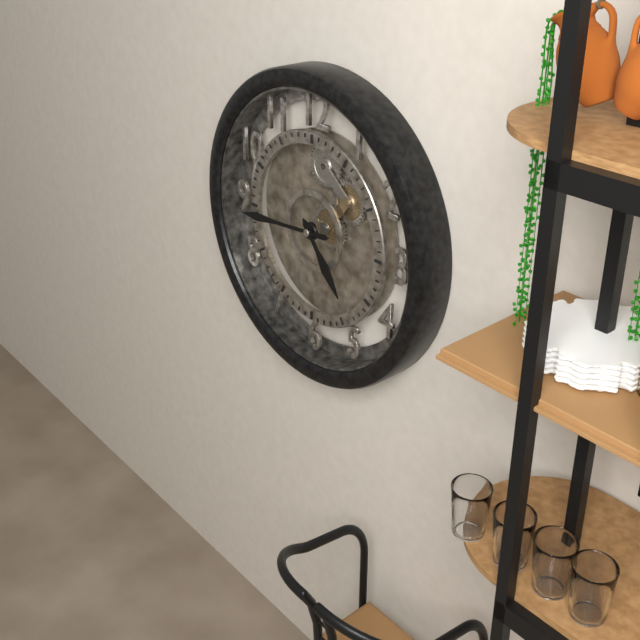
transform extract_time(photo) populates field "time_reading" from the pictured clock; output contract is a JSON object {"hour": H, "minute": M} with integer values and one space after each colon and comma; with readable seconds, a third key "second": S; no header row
{"hour": 4, "minute": 44}
